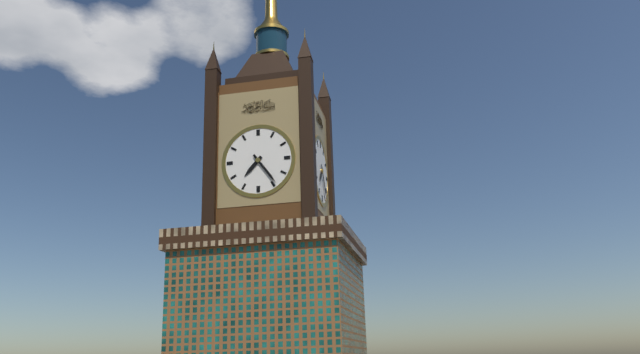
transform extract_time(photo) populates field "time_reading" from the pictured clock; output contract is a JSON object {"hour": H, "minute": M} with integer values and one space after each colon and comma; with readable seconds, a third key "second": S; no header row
{"hour": 7, "minute": 24}
